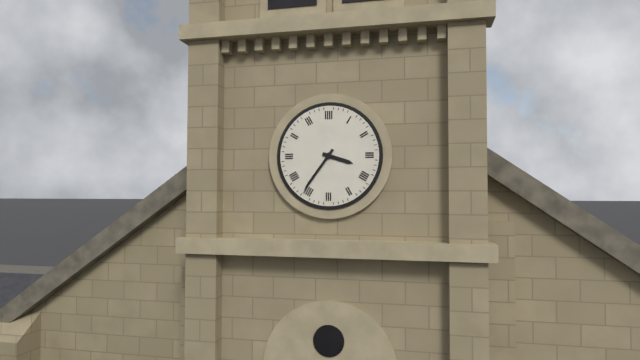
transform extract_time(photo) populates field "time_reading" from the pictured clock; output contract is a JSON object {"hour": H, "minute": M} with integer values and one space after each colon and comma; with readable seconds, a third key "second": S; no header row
{"hour": 3, "minute": 36}
